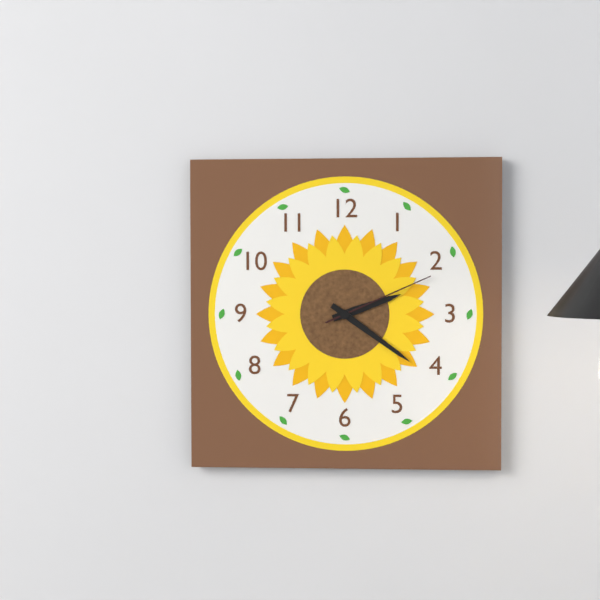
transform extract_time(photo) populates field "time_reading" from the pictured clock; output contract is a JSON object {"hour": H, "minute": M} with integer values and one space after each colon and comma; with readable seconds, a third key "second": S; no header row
{"hour": 2, "minute": 21, "second": 11}
